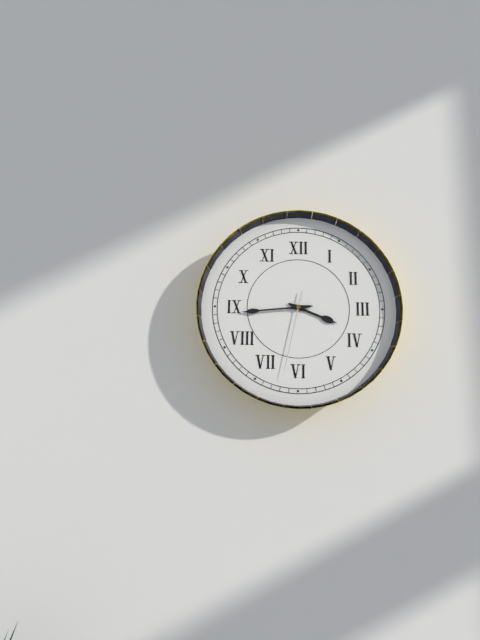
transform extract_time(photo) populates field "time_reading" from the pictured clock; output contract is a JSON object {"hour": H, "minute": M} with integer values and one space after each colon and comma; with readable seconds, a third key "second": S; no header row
{"hour": 3, "minute": 44, "second": 32}
